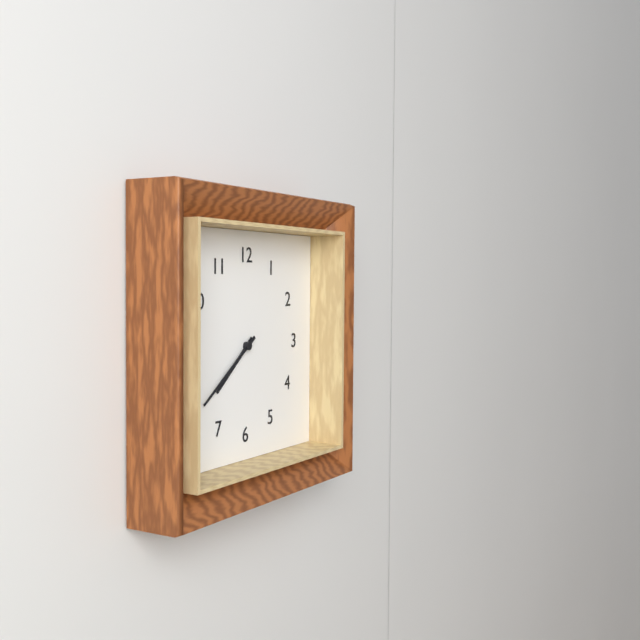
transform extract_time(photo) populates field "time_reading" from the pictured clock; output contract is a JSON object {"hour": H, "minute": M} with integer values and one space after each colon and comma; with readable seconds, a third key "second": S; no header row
{"hour": 7, "minute": 39}
